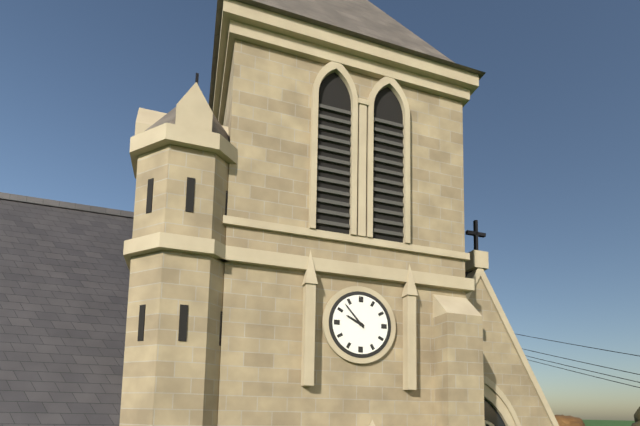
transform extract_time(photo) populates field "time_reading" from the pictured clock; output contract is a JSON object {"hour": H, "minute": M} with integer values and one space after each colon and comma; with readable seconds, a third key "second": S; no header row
{"hour": 9, "minute": 53}
